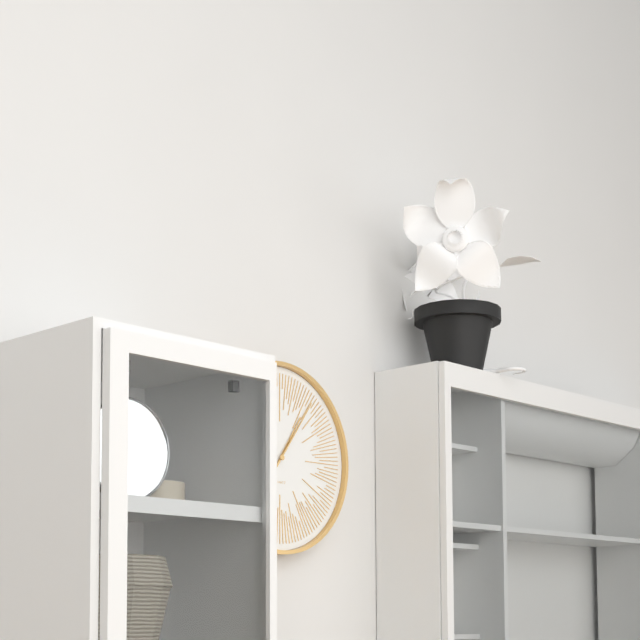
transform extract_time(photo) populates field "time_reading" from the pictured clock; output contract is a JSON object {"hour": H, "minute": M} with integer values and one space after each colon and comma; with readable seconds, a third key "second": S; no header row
{"hour": 1, "minute": 6}
